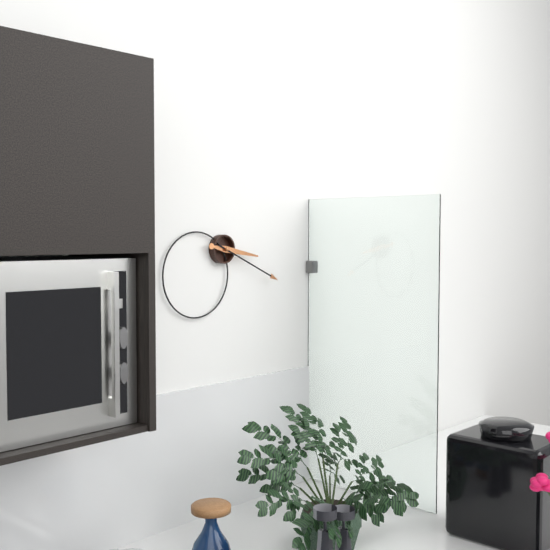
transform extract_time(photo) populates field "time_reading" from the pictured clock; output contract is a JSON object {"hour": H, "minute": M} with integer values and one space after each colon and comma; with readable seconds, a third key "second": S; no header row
{"hour": 3, "minute": 19}
